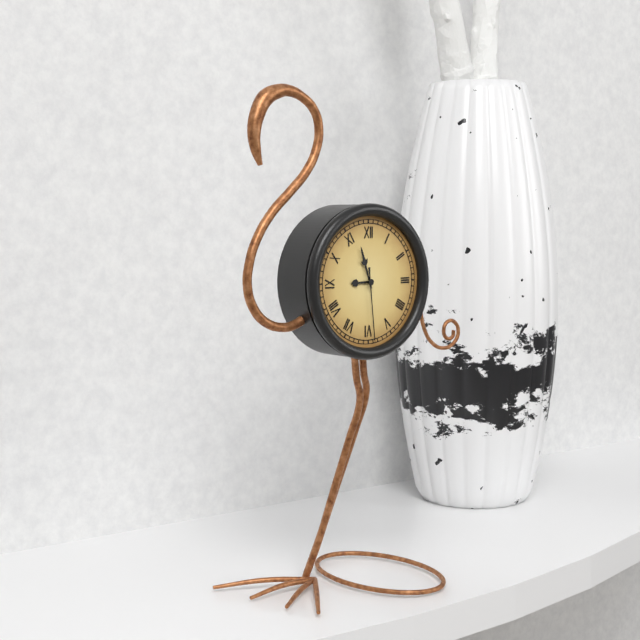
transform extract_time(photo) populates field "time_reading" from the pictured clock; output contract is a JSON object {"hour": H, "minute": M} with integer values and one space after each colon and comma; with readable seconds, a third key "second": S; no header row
{"hour": 8, "minute": 57, "second": 29}
